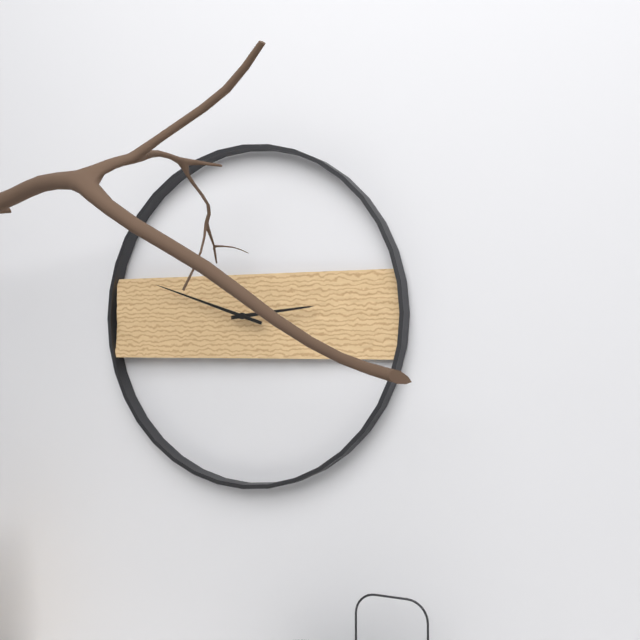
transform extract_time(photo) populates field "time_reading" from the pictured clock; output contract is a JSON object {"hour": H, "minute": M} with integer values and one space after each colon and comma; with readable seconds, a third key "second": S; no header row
{"hour": 2, "minute": 48}
